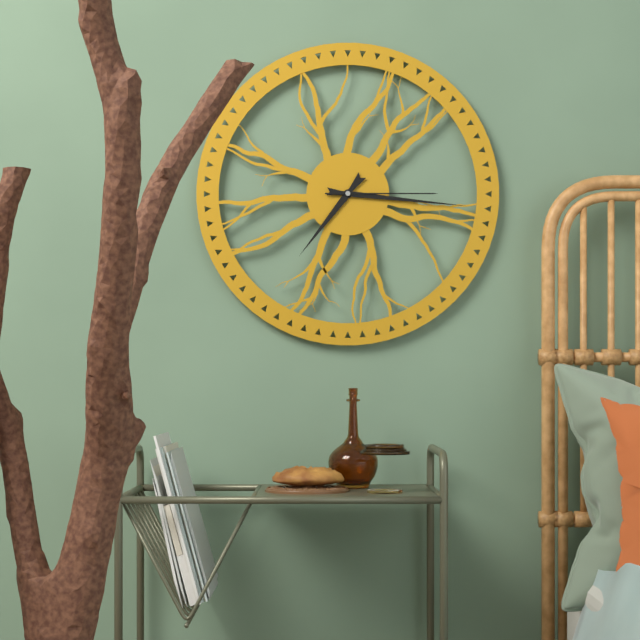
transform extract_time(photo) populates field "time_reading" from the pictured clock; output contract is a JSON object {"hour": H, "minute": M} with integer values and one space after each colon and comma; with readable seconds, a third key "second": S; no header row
{"hour": 7, "minute": 16, "second": 15}
